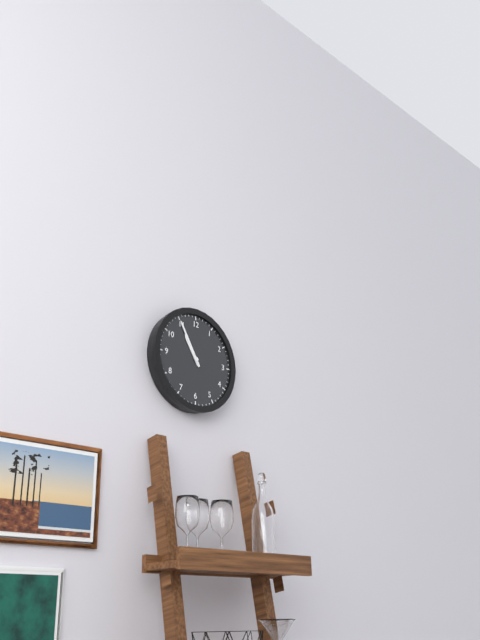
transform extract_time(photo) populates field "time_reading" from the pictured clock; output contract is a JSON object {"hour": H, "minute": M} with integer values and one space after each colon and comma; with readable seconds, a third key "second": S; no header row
{"hour": 10, "minute": 55}
